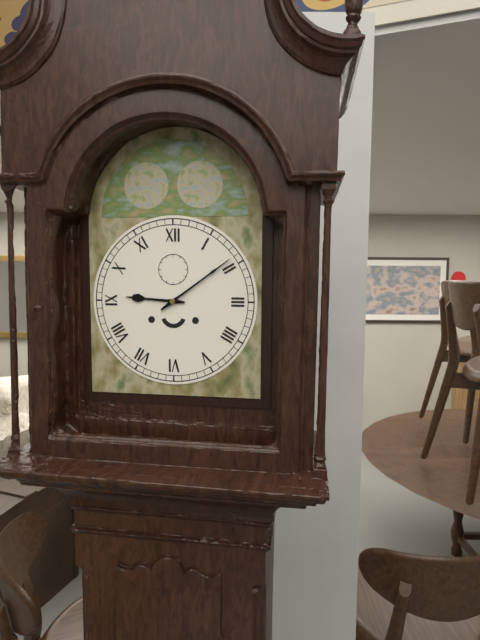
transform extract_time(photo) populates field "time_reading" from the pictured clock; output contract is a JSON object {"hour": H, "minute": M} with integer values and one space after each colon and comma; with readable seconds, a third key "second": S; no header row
{"hour": 9, "minute": 9}
